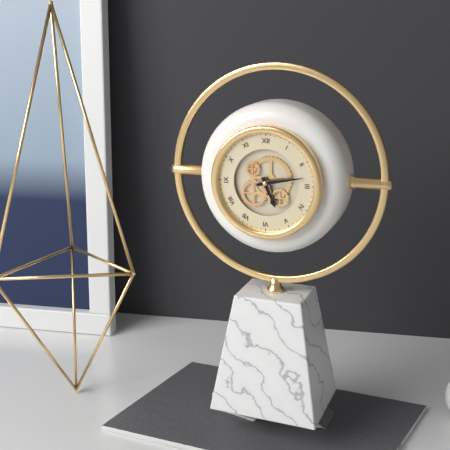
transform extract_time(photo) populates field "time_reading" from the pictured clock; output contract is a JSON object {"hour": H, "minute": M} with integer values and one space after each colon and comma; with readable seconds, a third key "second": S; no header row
{"hour": 5, "minute": 13}
